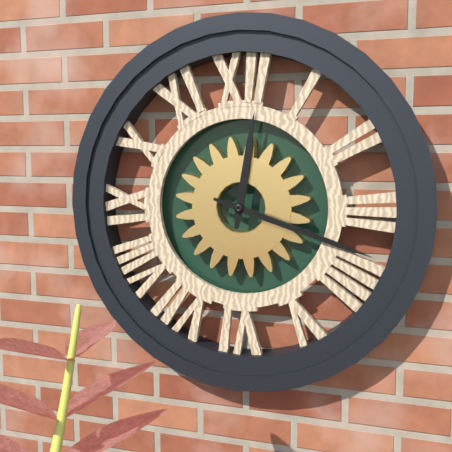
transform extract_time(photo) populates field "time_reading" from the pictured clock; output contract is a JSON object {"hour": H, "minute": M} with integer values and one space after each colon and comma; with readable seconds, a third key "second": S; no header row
{"hour": 12, "minute": 18}
